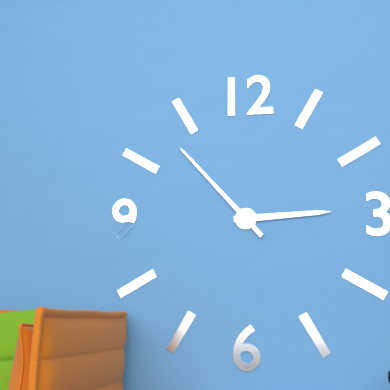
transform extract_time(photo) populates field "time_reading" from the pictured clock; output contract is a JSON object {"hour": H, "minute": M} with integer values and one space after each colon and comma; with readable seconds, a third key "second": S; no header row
{"hour": 2, "minute": 53}
